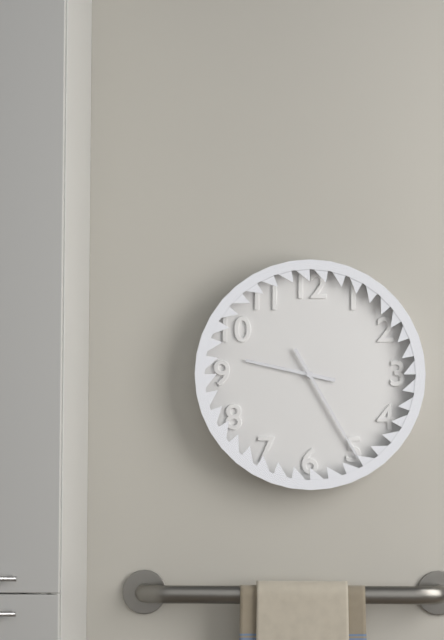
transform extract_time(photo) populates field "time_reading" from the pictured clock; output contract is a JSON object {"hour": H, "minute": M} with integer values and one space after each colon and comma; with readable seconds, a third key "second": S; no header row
{"hour": 9, "minute": 25}
